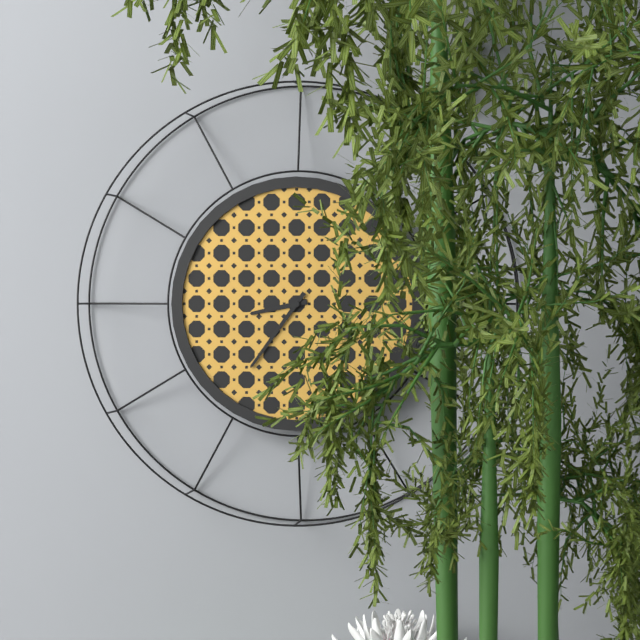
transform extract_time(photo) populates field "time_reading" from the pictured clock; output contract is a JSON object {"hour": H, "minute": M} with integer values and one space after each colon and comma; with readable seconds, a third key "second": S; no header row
{"hour": 8, "minute": 36}
